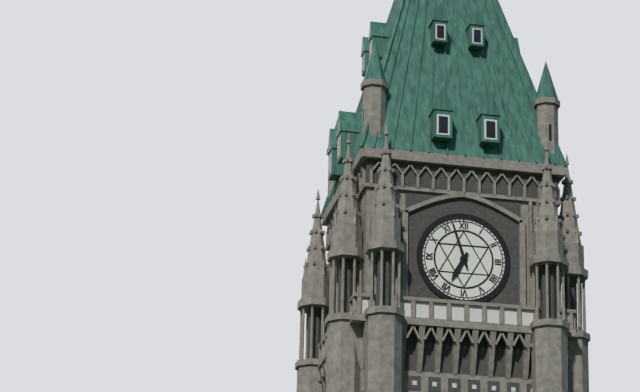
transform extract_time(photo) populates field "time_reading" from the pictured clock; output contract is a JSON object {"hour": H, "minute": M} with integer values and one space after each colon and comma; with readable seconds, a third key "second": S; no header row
{"hour": 6, "minute": 57}
